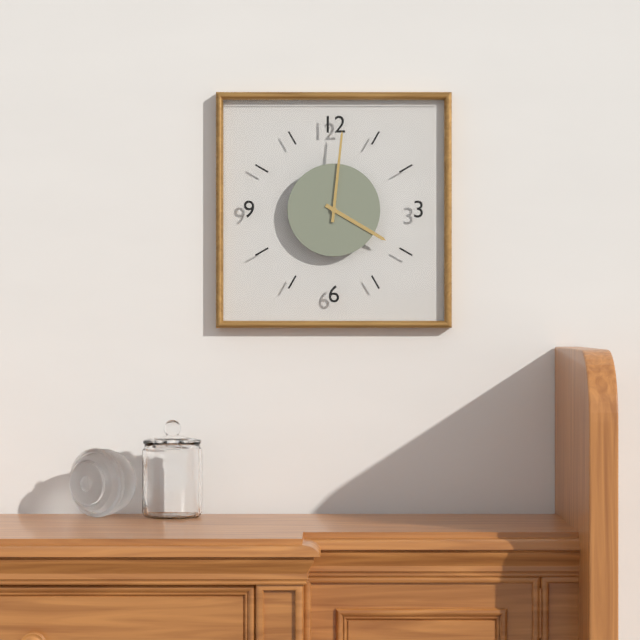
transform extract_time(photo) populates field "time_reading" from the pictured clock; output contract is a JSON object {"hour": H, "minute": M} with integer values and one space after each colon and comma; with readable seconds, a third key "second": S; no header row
{"hour": 4, "minute": 1}
